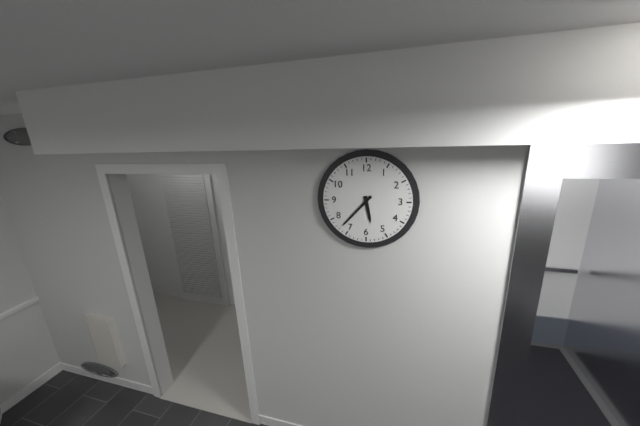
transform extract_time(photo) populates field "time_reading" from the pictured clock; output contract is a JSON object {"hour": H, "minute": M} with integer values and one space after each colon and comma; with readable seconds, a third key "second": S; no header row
{"hour": 5, "minute": 37}
